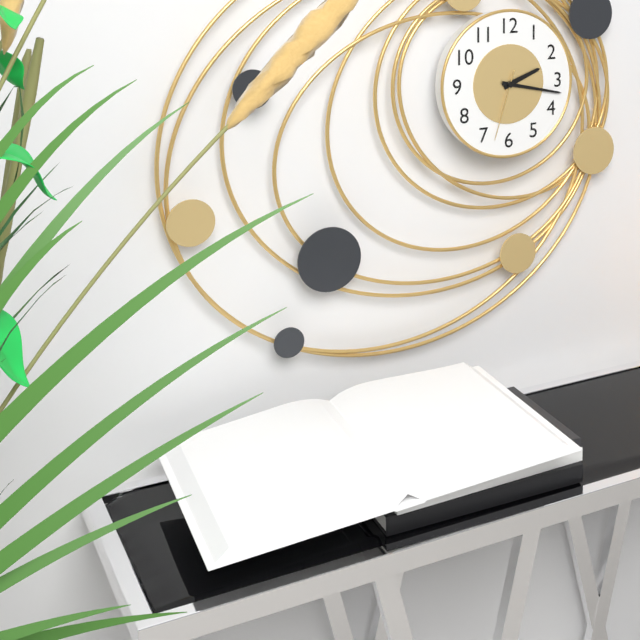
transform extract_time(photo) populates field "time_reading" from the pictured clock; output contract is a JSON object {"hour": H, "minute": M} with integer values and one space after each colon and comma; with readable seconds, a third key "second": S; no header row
{"hour": 2, "minute": 17, "second": 33}
